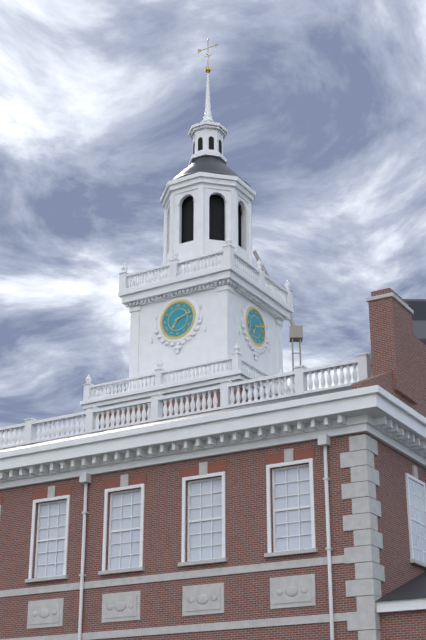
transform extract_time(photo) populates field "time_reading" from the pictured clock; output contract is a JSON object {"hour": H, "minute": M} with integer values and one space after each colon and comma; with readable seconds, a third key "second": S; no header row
{"hour": 7, "minute": 12}
